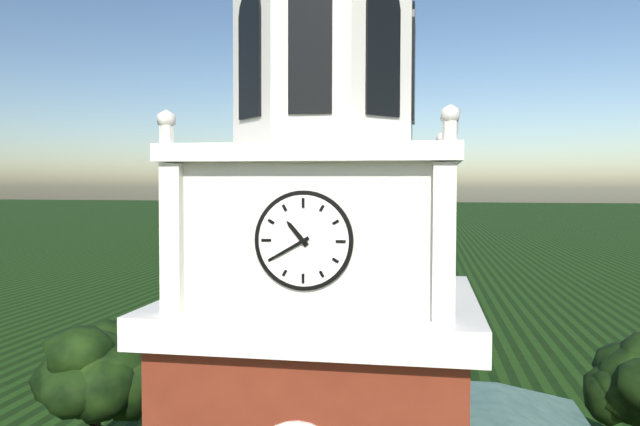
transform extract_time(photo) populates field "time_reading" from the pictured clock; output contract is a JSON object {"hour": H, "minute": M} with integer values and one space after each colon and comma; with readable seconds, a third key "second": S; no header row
{"hour": 10, "minute": 40}
